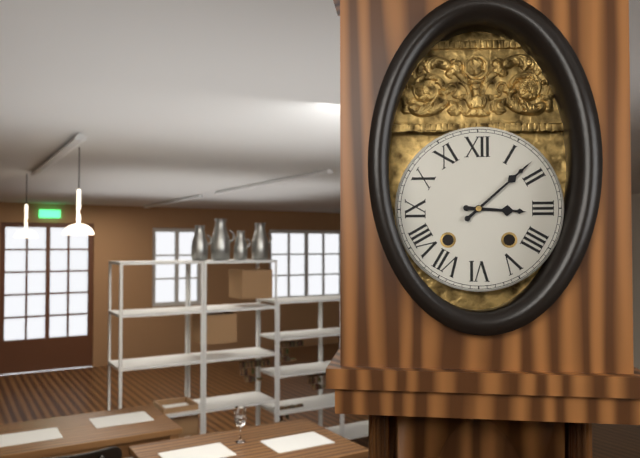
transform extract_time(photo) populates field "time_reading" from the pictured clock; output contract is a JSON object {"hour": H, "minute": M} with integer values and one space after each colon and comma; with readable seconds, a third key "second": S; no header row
{"hour": 3, "minute": 8}
